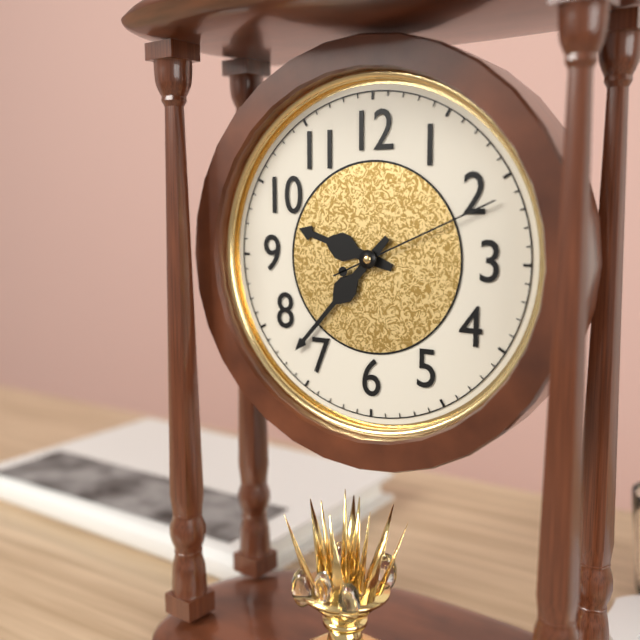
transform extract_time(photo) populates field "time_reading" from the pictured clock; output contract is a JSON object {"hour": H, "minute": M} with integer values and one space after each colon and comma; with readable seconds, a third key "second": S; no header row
{"hour": 9, "minute": 37, "second": 11}
